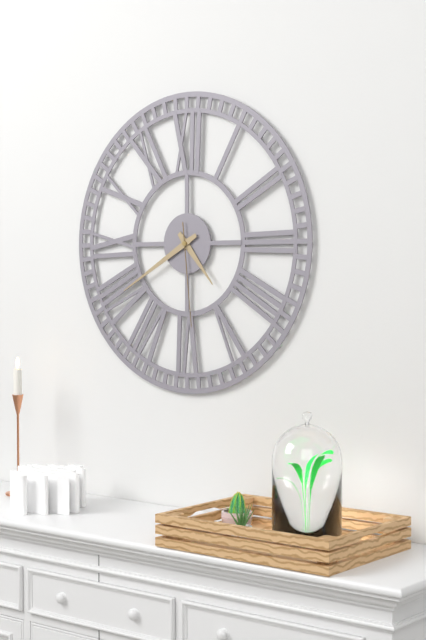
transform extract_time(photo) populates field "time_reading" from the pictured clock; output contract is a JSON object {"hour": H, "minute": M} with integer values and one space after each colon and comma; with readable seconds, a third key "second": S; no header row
{"hour": 4, "minute": 40, "second": 29}
